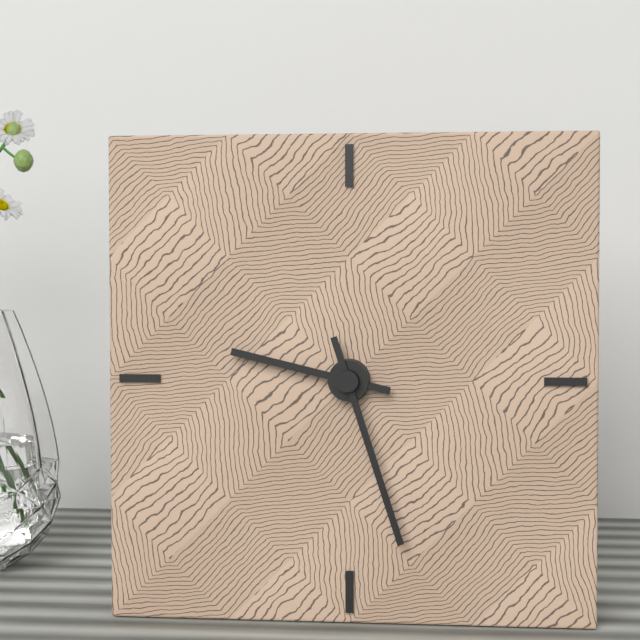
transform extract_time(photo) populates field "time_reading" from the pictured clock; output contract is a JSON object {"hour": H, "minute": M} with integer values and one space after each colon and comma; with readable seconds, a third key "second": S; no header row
{"hour": 9, "minute": 27}
